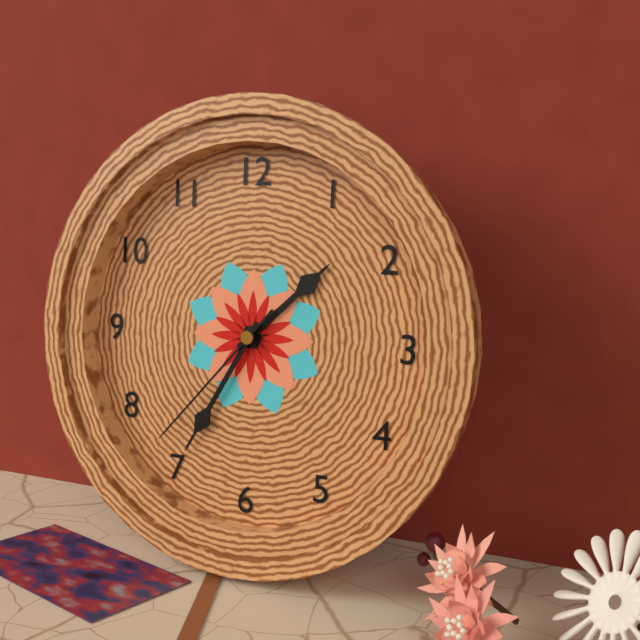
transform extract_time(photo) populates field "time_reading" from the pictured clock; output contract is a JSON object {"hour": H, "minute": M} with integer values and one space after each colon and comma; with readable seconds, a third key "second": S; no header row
{"hour": 1, "minute": 35, "second": 37}
